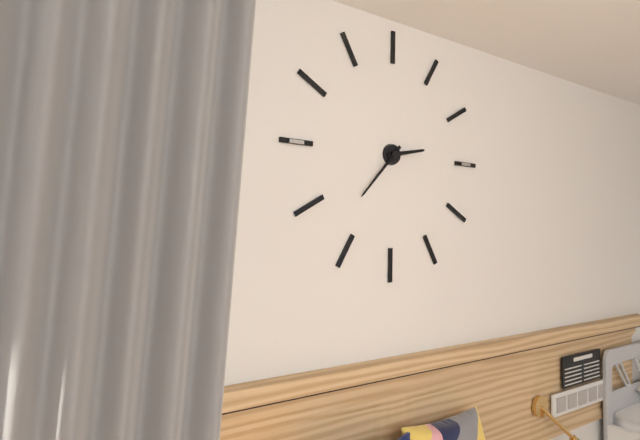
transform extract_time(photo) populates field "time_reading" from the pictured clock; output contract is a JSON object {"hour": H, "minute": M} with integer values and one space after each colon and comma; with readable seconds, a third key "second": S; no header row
{"hour": 2, "minute": 37}
